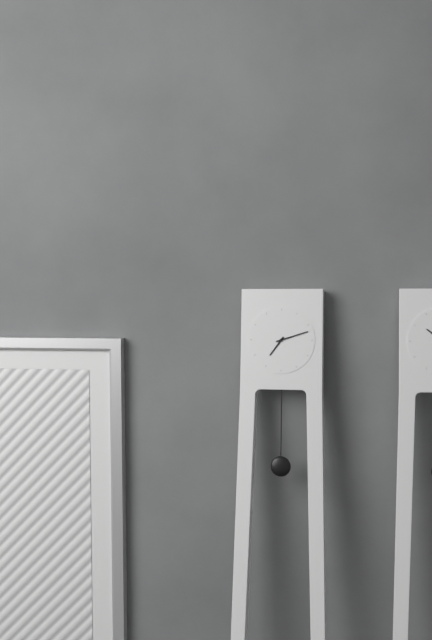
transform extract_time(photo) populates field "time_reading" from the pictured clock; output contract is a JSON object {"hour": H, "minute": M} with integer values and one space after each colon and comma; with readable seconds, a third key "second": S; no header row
{"hour": 7, "minute": 12}
